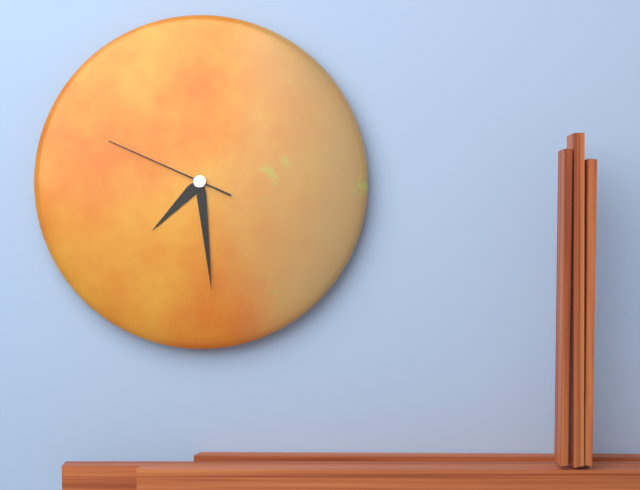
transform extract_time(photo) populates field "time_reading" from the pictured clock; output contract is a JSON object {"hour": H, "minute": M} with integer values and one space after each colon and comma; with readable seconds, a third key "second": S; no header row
{"hour": 7, "minute": 29, "second": 49}
